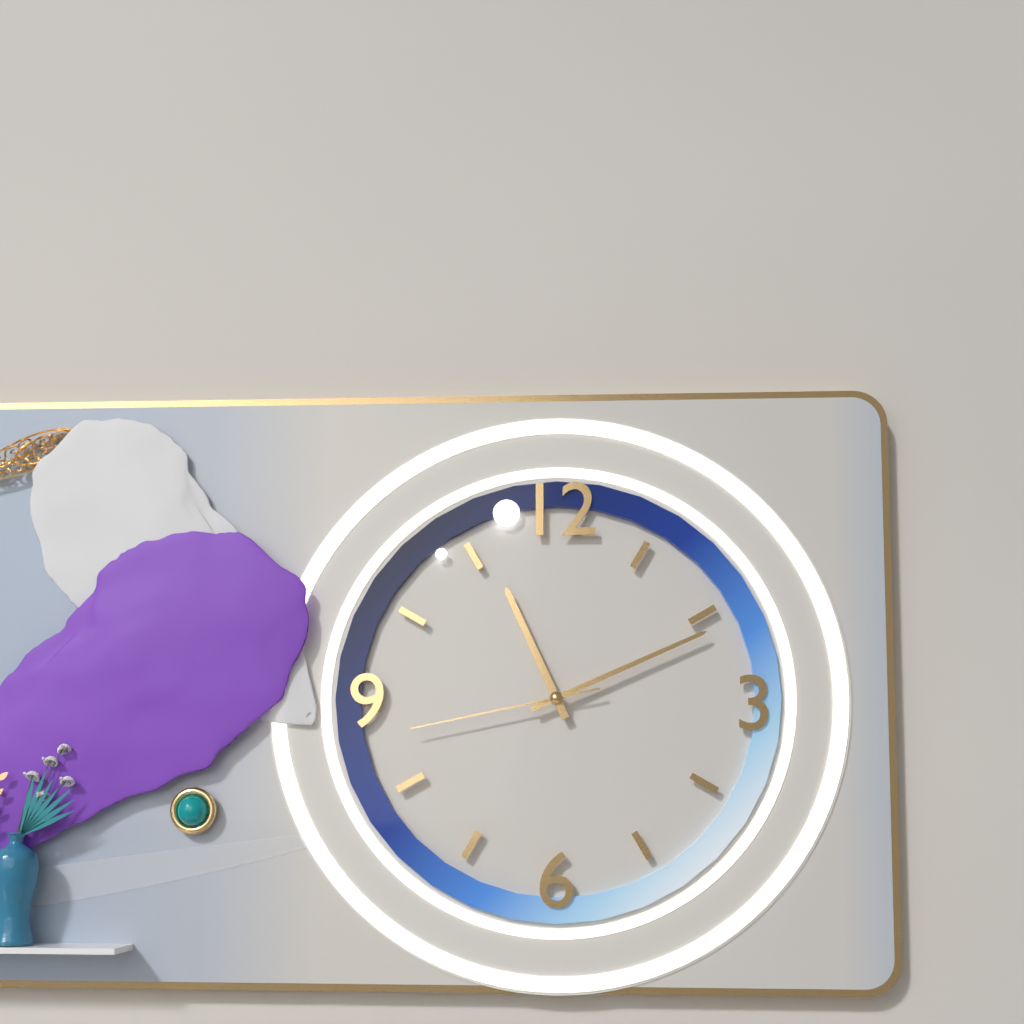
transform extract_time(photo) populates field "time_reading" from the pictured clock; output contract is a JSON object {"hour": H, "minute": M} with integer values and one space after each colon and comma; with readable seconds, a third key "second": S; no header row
{"hour": 11, "minute": 11, "second": 43}
